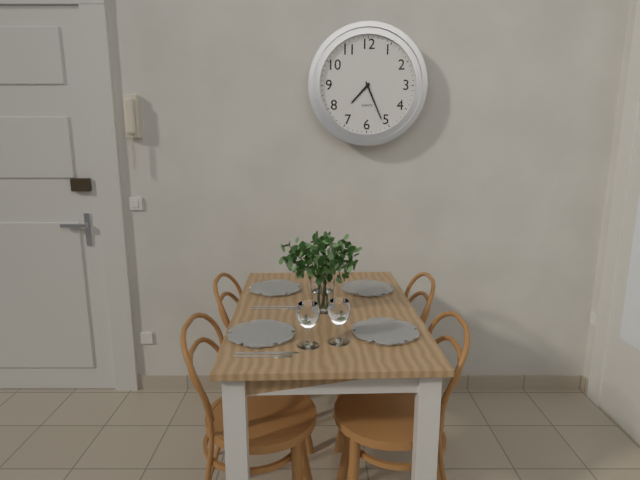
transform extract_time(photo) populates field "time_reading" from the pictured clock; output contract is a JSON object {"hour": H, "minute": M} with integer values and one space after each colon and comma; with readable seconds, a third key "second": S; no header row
{"hour": 7, "minute": 26}
